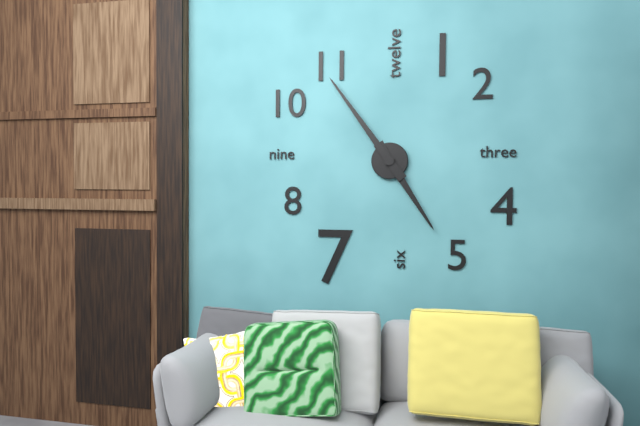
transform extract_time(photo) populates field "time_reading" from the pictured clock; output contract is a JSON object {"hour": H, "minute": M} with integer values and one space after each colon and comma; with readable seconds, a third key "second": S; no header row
{"hour": 4, "minute": 54}
